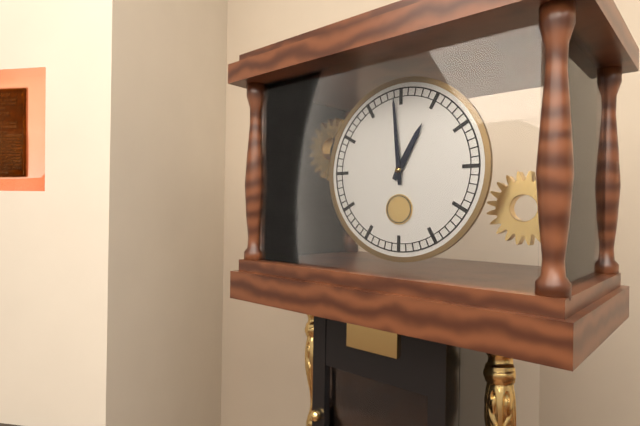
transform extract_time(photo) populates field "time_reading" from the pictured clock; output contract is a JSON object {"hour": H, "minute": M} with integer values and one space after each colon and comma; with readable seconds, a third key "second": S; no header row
{"hour": 12, "minute": 59}
